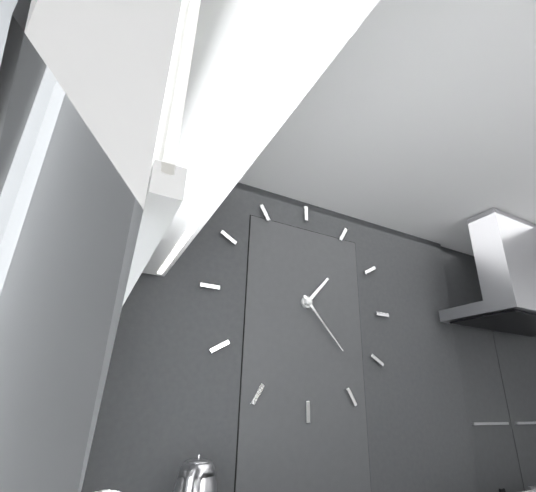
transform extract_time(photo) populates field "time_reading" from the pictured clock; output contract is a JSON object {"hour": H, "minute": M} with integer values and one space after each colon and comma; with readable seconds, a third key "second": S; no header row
{"hour": 1, "minute": 23}
